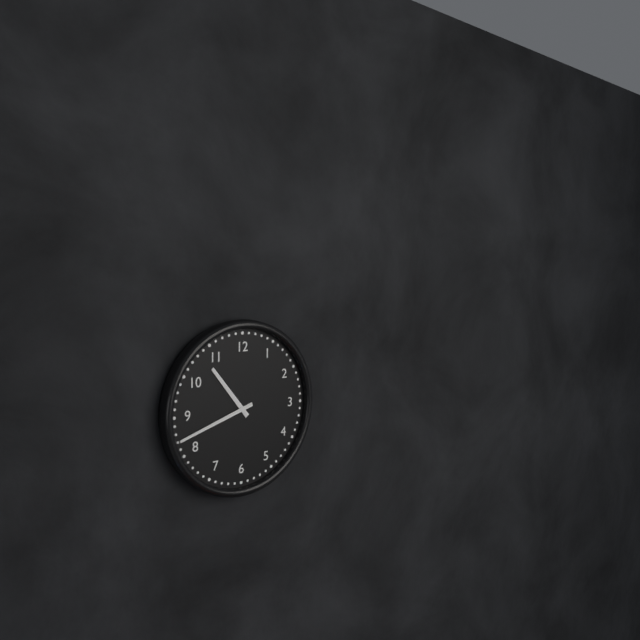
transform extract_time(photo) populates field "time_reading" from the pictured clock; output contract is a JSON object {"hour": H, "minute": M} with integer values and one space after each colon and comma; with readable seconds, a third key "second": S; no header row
{"hour": 10, "minute": 42}
